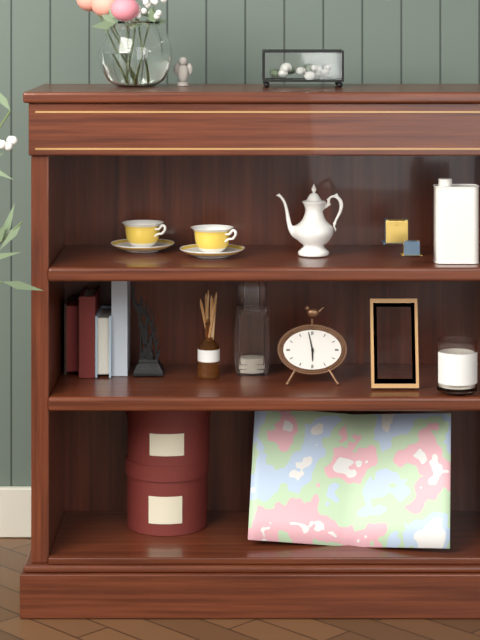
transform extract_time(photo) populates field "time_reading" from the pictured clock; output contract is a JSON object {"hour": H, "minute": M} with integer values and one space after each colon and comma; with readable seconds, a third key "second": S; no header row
{"hour": 5, "minute": 58}
